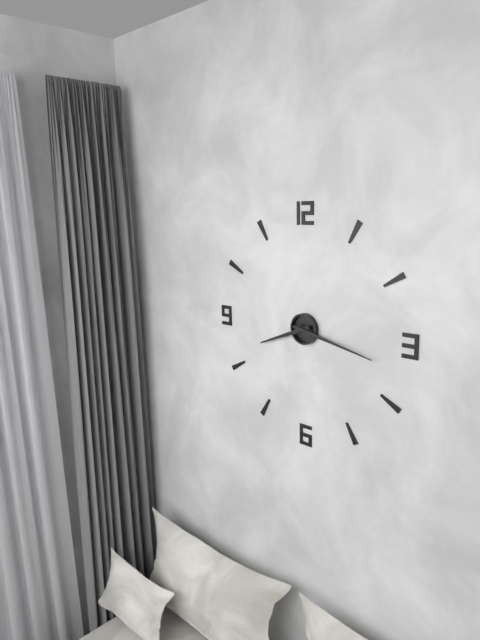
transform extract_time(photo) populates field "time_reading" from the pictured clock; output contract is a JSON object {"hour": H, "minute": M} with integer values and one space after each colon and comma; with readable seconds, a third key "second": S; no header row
{"hour": 8, "minute": 17}
